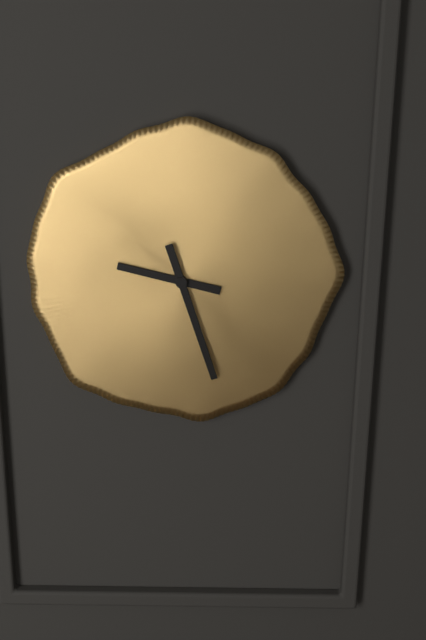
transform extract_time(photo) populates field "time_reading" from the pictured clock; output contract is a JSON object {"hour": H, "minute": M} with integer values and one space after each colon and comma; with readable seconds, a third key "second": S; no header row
{"hour": 9, "minute": 27}
